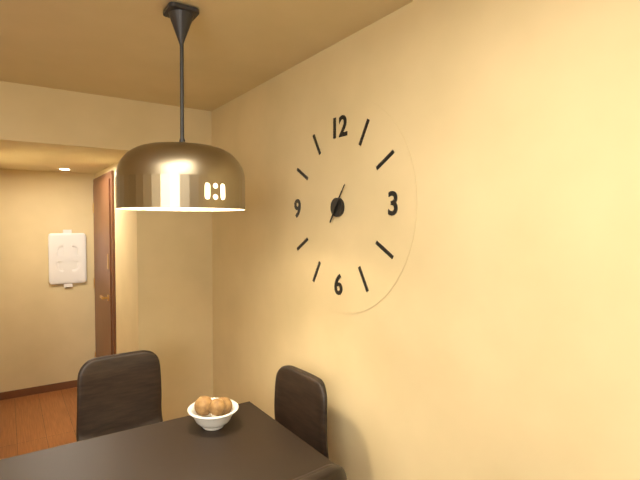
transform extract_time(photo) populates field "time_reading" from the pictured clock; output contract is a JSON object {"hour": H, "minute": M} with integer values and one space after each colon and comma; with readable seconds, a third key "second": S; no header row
{"hour": 7, "minute": 6}
